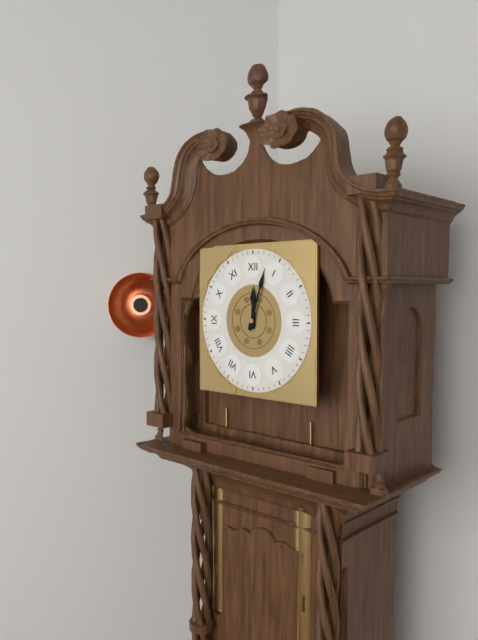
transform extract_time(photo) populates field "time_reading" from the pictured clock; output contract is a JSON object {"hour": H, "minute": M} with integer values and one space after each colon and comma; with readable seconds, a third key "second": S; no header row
{"hour": 12, "minute": 3}
